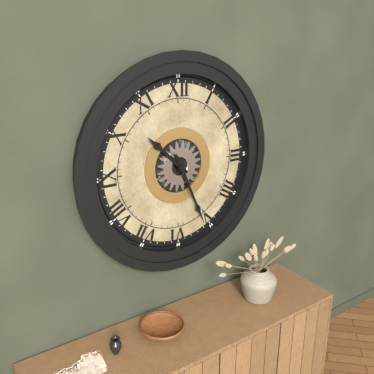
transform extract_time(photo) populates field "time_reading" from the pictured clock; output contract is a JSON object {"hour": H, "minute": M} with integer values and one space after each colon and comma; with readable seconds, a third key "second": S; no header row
{"hour": 10, "minute": 26}
